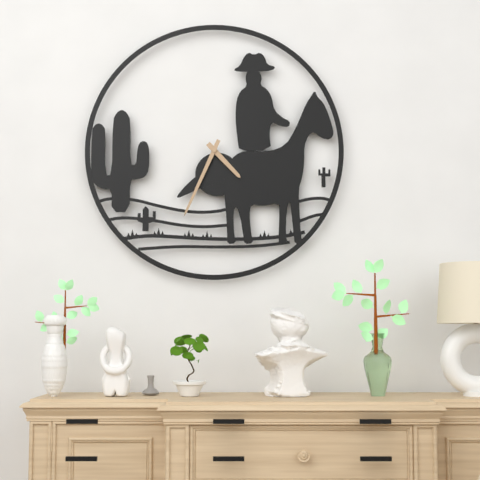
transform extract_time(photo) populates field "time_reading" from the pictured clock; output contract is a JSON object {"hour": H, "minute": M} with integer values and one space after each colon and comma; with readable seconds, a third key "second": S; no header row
{"hour": 4, "minute": 34}
